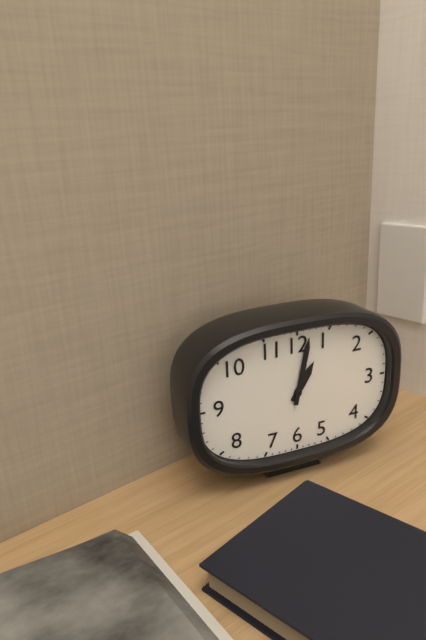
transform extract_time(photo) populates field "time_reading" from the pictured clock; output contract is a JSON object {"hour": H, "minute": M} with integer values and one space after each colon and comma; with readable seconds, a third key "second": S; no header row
{"hour": 1, "minute": 2}
